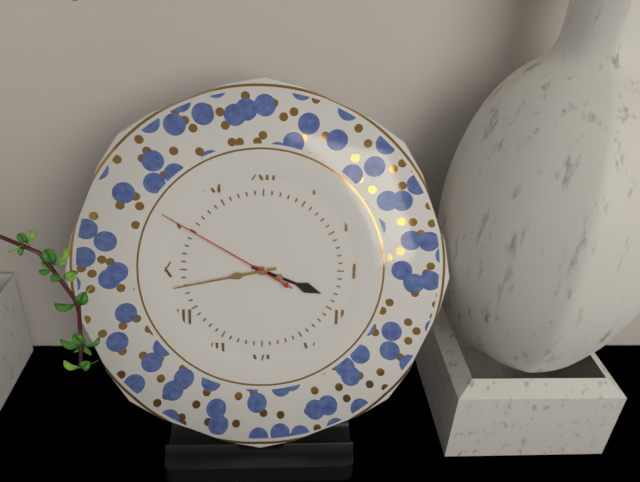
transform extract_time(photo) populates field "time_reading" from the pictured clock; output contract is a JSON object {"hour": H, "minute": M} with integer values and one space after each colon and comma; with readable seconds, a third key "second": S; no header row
{"hour": 3, "minute": 43, "second": 50}
